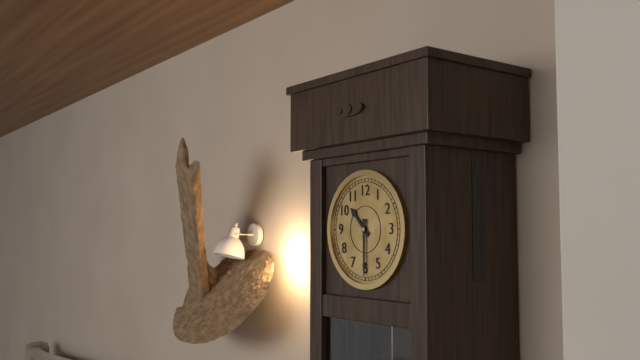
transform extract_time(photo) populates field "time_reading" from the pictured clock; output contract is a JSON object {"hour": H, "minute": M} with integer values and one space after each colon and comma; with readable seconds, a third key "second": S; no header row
{"hour": 10, "minute": 30}
